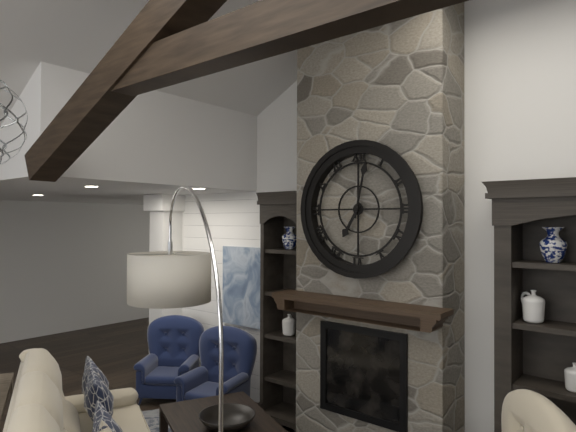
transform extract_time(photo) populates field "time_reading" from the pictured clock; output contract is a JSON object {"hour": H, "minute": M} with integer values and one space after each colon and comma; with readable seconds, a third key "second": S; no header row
{"hour": 7, "minute": 2}
